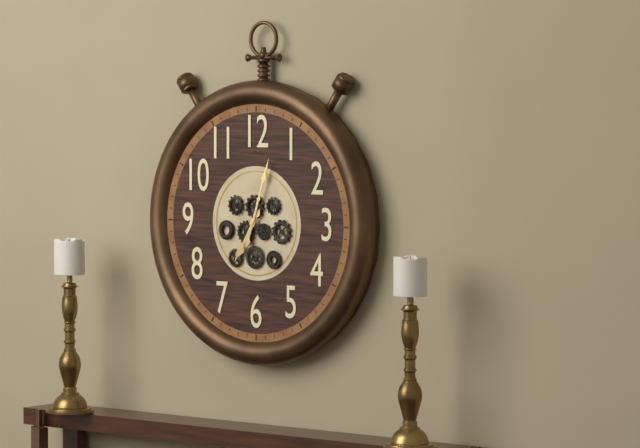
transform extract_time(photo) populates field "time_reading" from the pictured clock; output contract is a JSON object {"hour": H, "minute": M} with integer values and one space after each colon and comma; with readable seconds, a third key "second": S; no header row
{"hour": 7, "minute": 3}
